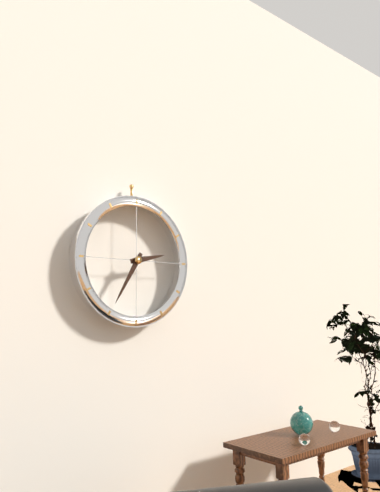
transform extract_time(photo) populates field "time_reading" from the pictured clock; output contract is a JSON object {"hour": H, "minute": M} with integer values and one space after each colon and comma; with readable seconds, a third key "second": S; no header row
{"hour": 2, "minute": 35}
